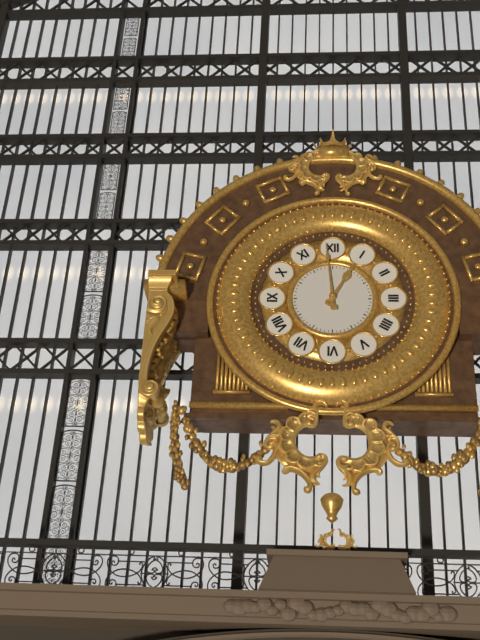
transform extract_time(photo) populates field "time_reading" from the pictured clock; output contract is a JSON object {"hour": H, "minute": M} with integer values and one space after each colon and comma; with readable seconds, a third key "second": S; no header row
{"hour": 12, "minute": 59}
